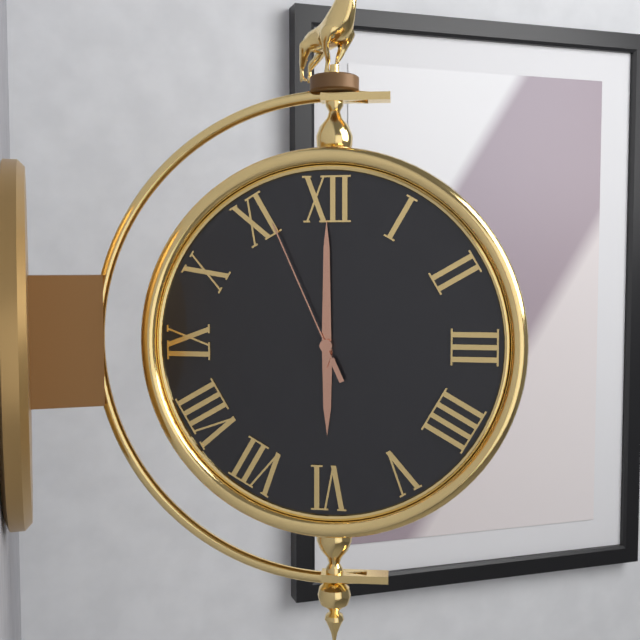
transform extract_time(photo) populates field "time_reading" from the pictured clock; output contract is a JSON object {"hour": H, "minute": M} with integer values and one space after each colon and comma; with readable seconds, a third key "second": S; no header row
{"hour": 6, "minute": 0, "second": 56}
